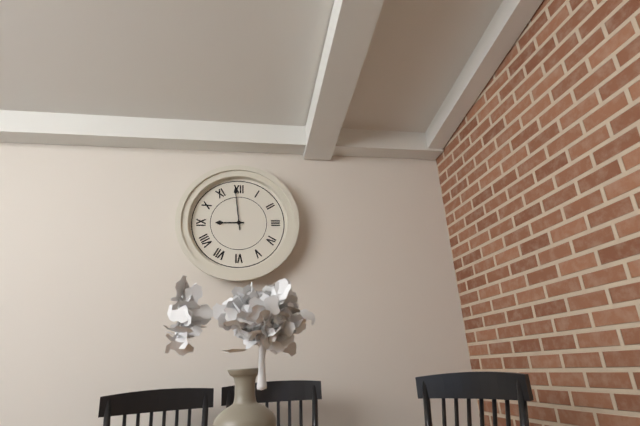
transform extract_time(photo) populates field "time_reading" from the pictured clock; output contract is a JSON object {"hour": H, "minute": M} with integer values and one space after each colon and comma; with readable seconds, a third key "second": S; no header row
{"hour": 8, "minute": 59}
